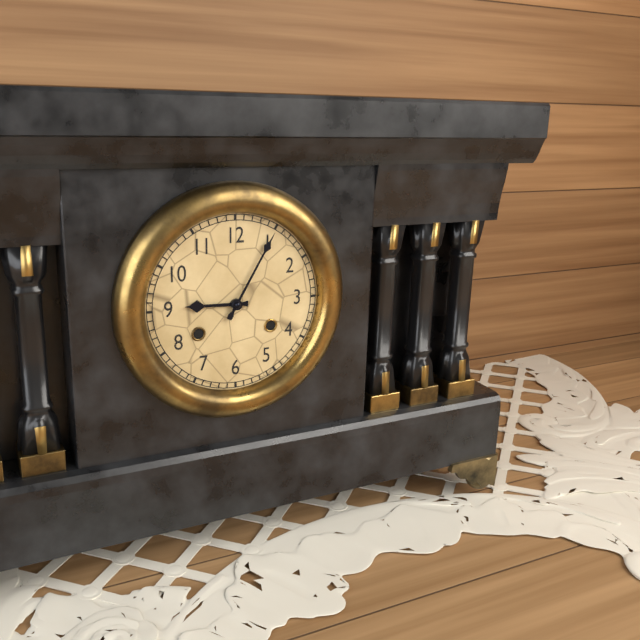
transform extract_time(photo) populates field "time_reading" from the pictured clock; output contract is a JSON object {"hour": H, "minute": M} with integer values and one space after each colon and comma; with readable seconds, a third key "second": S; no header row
{"hour": 9, "minute": 5}
